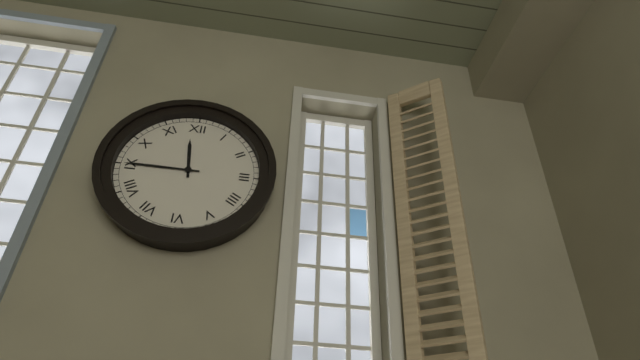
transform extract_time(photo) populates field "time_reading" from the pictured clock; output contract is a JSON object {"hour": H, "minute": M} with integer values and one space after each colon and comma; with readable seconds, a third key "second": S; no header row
{"hour": 11, "minute": 45}
